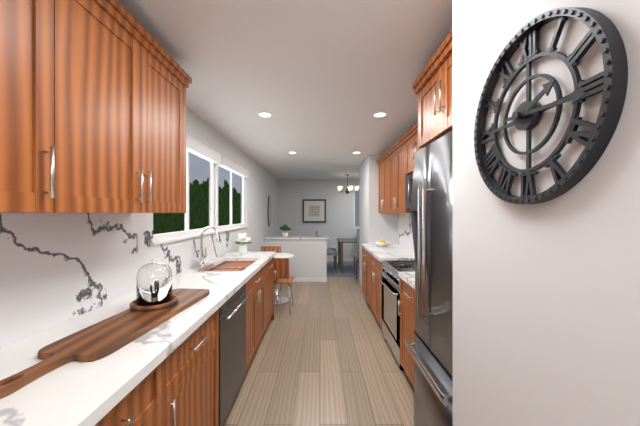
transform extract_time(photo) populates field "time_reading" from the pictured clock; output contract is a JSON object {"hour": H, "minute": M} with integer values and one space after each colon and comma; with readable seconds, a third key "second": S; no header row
{"hour": 2, "minute": 16}
